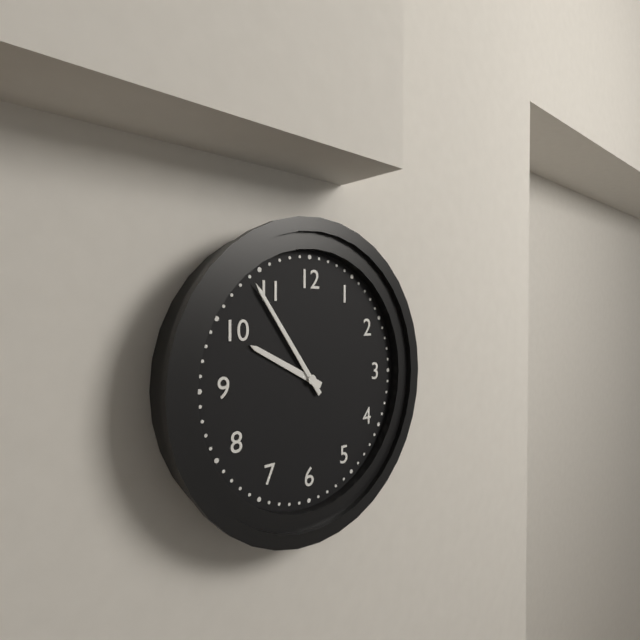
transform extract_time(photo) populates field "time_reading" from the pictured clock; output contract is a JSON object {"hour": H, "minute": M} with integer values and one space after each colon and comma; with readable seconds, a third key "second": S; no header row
{"hour": 9, "minute": 54}
